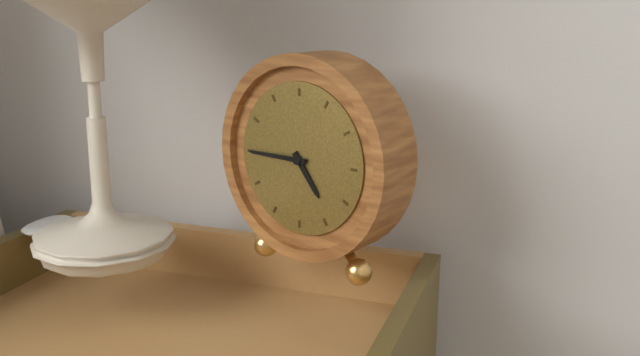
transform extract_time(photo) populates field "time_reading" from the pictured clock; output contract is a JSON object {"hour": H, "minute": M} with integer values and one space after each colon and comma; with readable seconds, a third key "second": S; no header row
{"hour": 4, "minute": 45}
